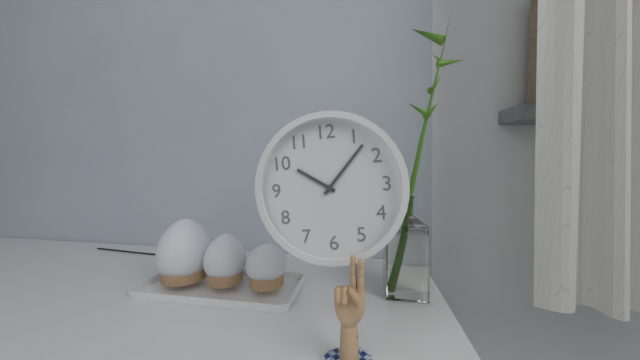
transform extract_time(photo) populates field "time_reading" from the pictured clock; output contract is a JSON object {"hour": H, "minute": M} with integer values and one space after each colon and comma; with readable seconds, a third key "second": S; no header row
{"hour": 10, "minute": 7}
